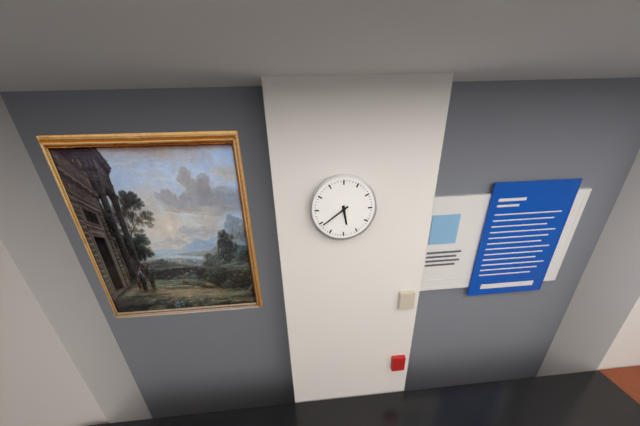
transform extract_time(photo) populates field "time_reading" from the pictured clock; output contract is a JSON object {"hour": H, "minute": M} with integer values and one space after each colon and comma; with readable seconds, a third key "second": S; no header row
{"hour": 5, "minute": 39}
